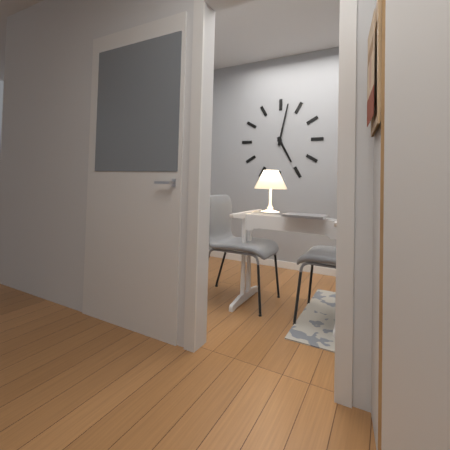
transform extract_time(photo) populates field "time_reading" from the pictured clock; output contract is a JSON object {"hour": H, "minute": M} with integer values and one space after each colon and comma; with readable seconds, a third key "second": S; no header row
{"hour": 5, "minute": 2}
